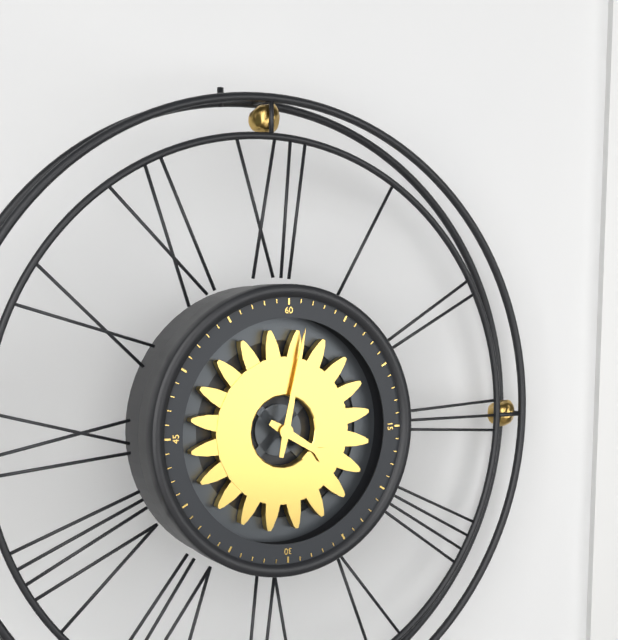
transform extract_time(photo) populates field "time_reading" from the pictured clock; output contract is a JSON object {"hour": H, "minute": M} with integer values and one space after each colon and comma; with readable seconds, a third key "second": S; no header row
{"hour": 4, "minute": 2}
